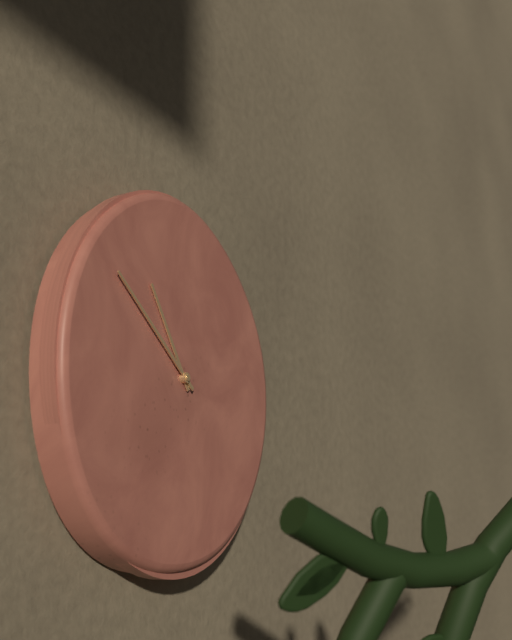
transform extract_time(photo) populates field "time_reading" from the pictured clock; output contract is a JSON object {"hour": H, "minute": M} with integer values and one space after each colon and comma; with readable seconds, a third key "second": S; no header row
{"hour": 10, "minute": 51}
